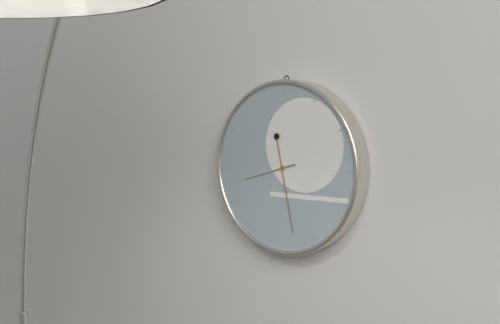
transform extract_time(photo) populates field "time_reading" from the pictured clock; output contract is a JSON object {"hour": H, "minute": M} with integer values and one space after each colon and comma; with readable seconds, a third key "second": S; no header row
{"hour": 8, "minute": 28}
